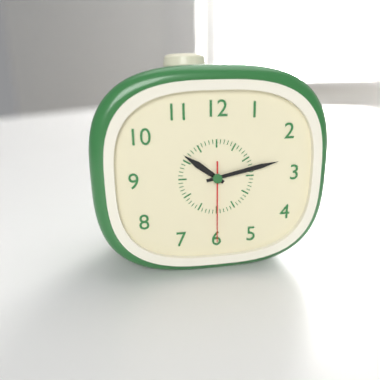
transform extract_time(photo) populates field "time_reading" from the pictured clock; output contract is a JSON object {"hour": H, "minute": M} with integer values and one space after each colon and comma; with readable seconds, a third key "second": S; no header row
{"hour": 10, "minute": 13, "second": 30}
